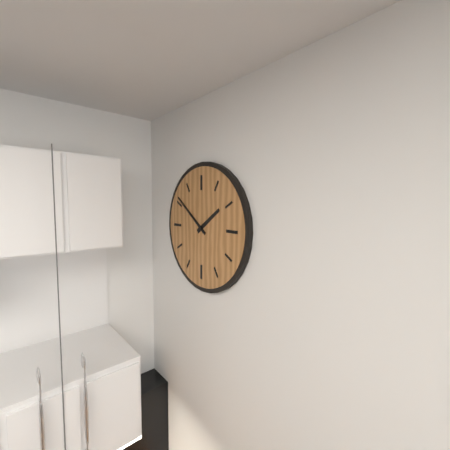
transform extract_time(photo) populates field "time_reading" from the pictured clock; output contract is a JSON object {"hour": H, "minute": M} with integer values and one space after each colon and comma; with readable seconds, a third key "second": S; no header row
{"hour": 1, "minute": 51}
